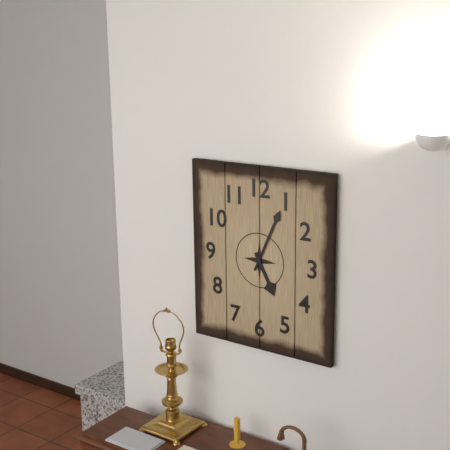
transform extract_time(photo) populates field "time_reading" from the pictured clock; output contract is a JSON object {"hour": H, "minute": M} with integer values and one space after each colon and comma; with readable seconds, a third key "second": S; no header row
{"hour": 5, "minute": 4}
